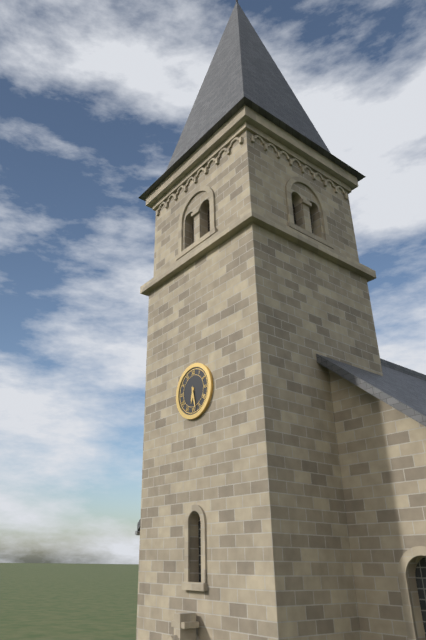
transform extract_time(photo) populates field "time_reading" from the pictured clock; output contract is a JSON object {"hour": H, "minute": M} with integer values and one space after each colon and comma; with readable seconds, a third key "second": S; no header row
{"hour": 6, "minute": 28}
